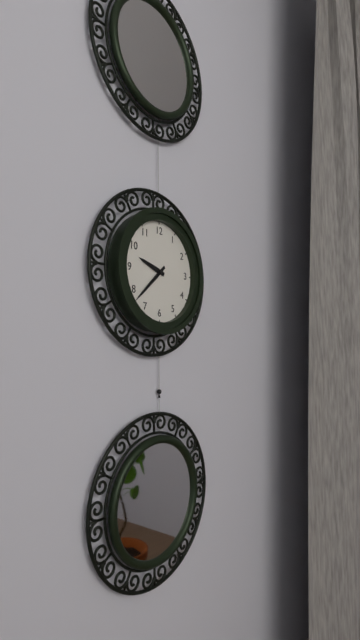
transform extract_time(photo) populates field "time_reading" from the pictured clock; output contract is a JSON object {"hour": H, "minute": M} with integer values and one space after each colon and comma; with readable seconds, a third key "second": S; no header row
{"hour": 9, "minute": 38}
